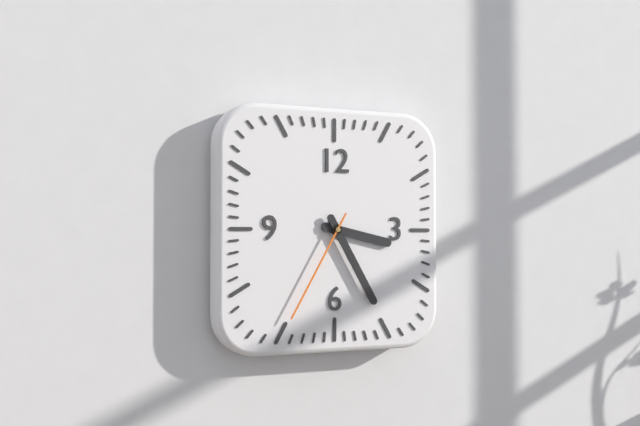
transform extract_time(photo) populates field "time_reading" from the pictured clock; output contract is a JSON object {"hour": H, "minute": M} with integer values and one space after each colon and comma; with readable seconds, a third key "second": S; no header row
{"hour": 3, "minute": 25, "second": 35}
